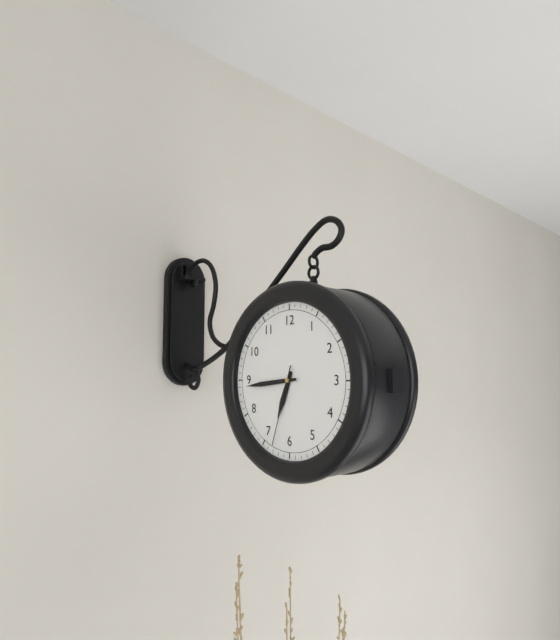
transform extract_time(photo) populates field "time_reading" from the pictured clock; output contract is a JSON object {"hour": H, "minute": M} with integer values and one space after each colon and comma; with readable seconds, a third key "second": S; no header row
{"hour": 6, "minute": 44, "second": 33}
